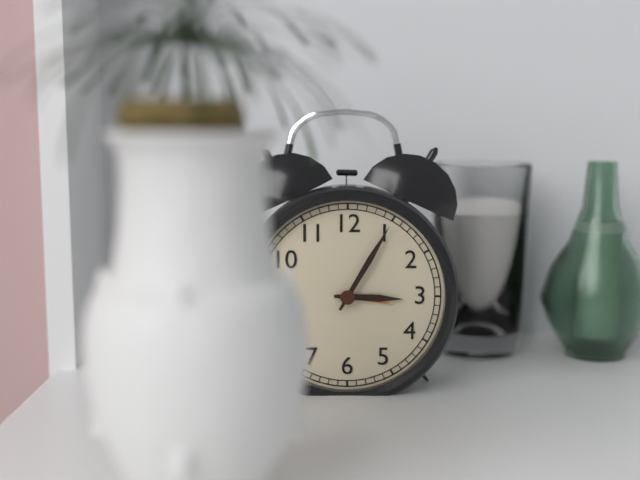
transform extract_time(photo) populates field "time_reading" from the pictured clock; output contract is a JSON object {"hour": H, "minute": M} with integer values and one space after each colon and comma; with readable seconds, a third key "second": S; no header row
{"hour": 3, "minute": 5}
